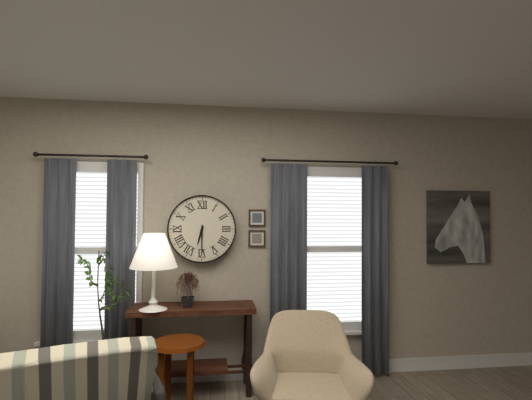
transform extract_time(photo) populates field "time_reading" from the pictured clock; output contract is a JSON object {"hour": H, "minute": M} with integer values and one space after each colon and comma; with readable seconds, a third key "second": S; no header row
{"hour": 6, "minute": 30}
